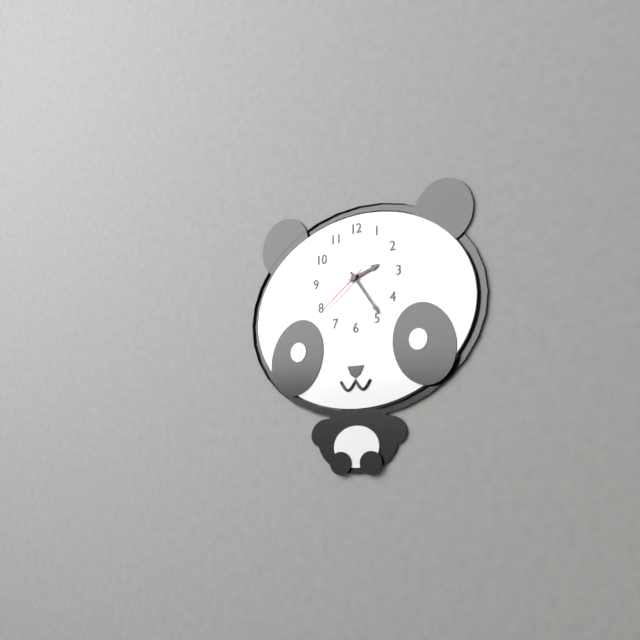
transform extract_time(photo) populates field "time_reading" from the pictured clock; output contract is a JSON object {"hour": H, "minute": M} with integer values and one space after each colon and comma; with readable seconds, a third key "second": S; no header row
{"hour": 2, "minute": 24, "second": 39}
